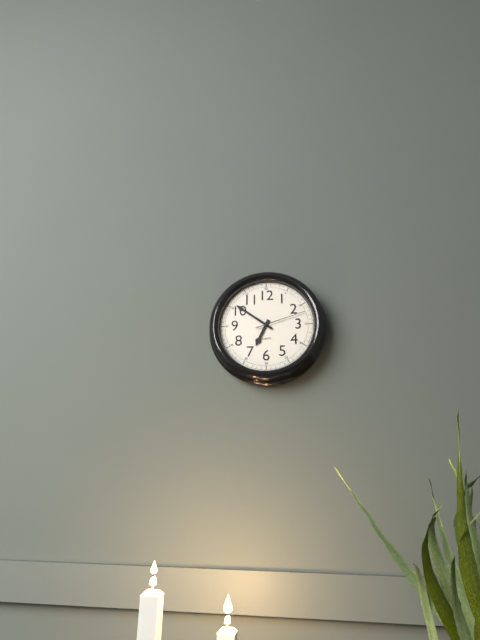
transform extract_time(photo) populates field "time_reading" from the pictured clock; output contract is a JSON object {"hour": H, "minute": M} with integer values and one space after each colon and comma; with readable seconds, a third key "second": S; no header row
{"hour": 6, "minute": 51, "second": 12}
